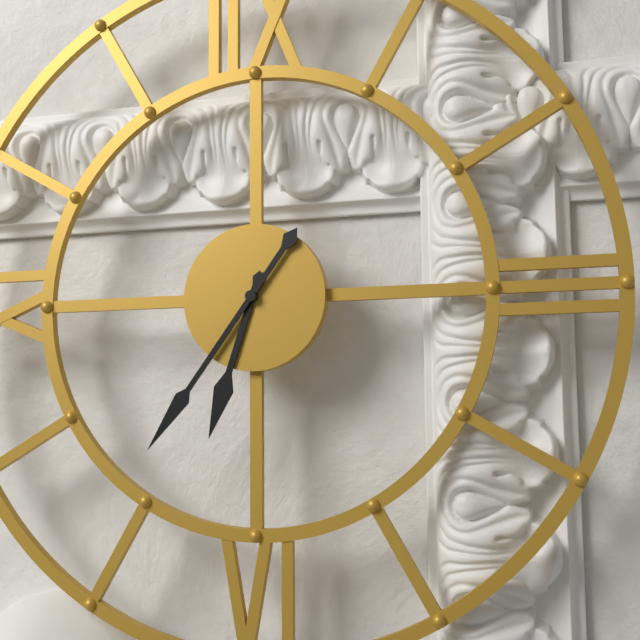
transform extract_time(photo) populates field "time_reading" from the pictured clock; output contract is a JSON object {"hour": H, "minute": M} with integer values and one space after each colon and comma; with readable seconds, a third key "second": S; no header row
{"hour": 6, "minute": 36}
